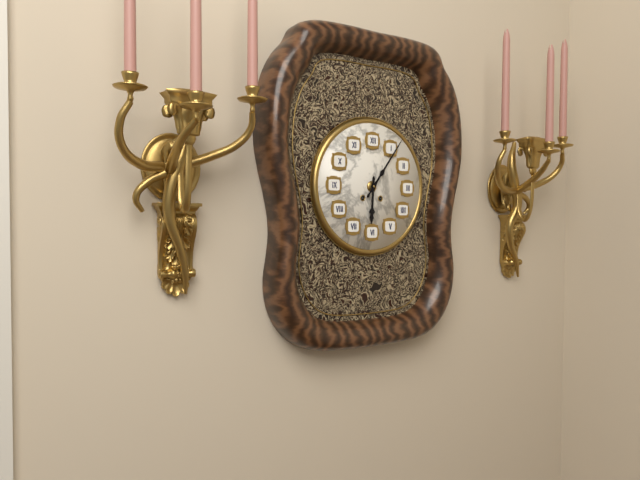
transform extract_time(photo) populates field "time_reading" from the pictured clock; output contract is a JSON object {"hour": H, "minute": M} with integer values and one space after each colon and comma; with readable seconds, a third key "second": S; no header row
{"hour": 6, "minute": 6}
